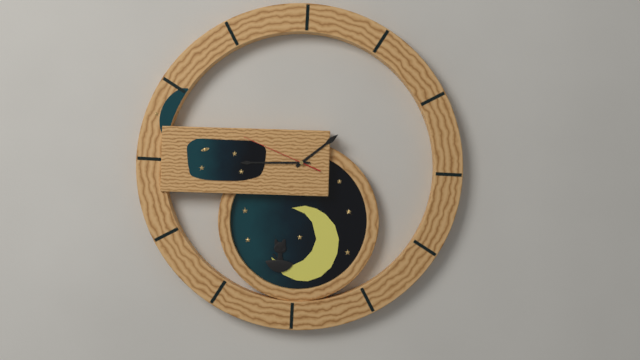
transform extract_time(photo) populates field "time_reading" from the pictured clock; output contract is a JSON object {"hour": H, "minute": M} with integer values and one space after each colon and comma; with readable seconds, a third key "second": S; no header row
{"hour": 1, "minute": 45, "second": 49}
